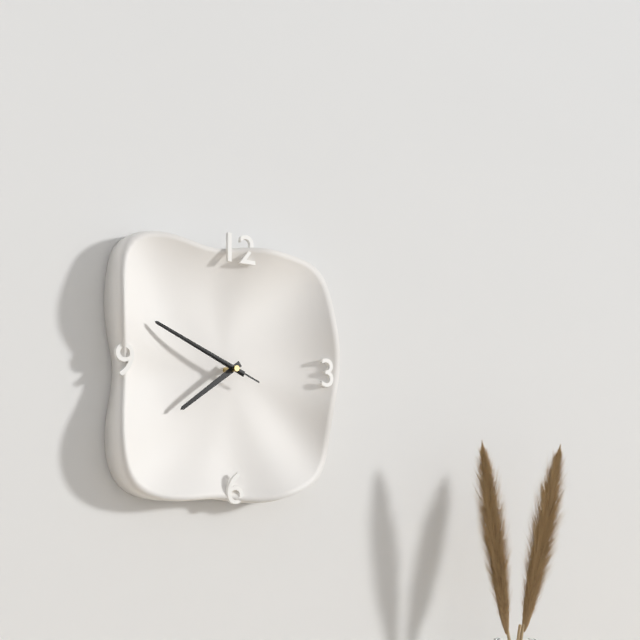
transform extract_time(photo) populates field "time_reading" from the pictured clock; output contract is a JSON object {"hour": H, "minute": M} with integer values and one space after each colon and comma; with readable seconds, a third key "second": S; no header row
{"hour": 7, "minute": 49, "second": 49}
